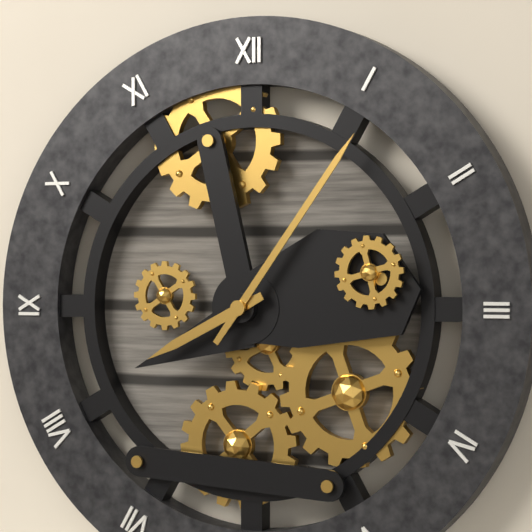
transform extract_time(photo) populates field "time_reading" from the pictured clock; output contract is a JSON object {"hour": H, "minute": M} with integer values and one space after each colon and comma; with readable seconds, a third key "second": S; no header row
{"hour": 8, "minute": 6}
